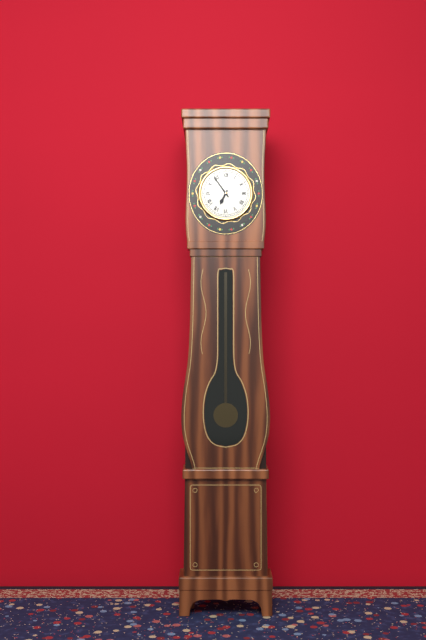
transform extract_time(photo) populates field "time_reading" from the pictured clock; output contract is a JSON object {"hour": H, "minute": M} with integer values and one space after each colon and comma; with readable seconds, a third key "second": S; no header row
{"hour": 6, "minute": 54}
